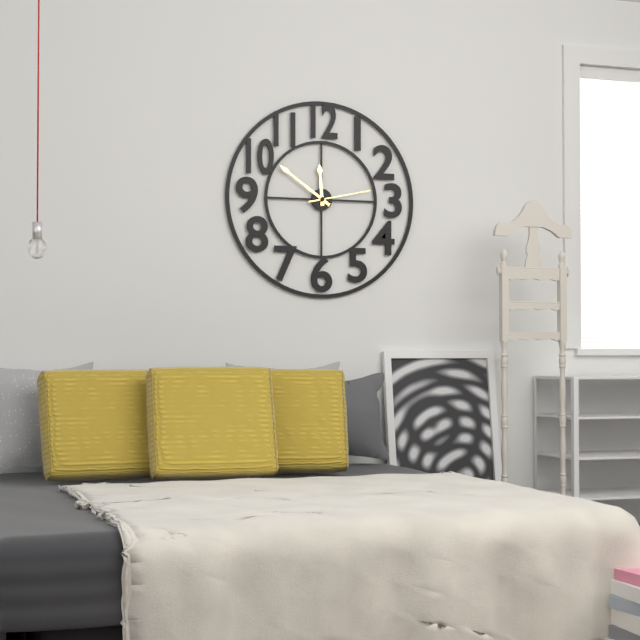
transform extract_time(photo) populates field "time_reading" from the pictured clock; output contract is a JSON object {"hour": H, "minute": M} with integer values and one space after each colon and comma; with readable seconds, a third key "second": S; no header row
{"hour": 11, "minute": 51, "second": 13}
